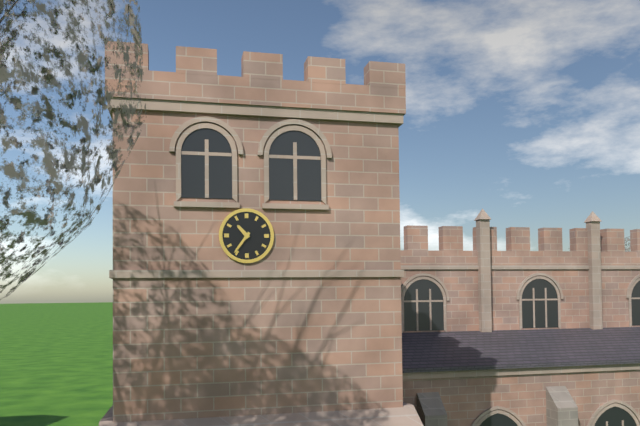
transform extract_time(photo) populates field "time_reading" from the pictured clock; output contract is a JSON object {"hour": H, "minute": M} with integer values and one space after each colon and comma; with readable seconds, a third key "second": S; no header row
{"hour": 10, "minute": 36}
